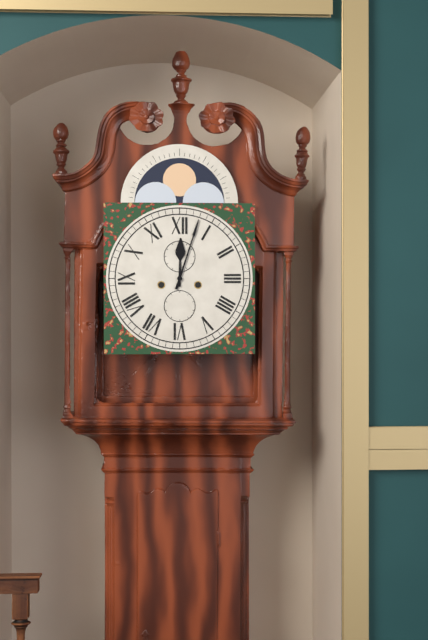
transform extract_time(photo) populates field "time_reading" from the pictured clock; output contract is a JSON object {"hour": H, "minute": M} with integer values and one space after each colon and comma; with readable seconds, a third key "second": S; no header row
{"hour": 12, "minute": 3}
